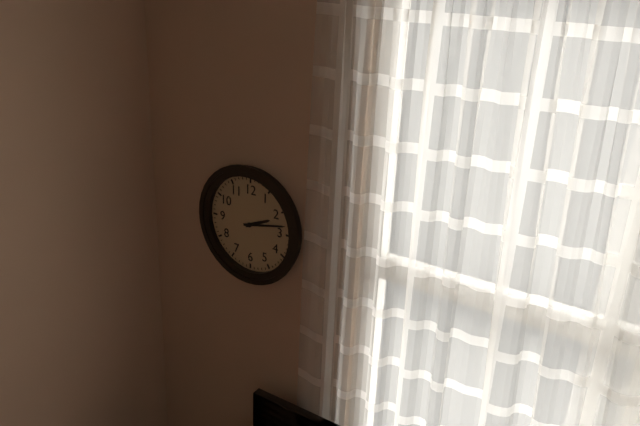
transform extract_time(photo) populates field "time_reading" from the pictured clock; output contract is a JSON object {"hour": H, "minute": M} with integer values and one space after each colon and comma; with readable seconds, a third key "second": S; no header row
{"hour": 2, "minute": 13}
